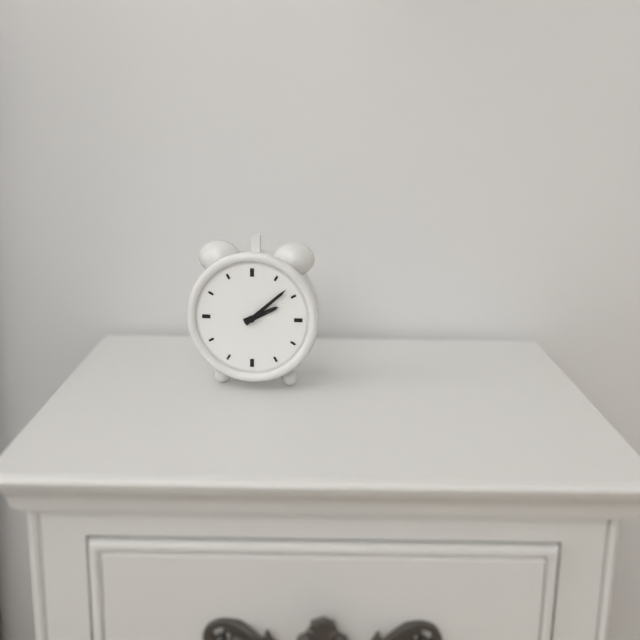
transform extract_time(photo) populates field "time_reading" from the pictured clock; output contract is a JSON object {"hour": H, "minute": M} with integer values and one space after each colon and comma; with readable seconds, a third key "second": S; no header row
{"hour": 2, "minute": 8}
